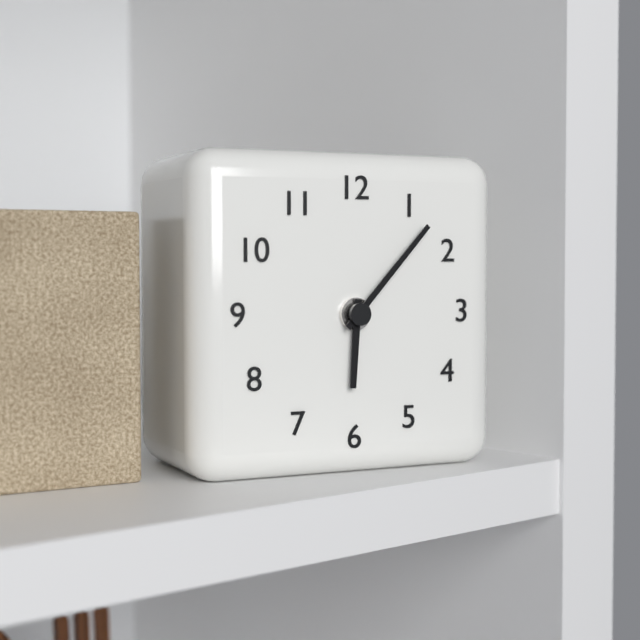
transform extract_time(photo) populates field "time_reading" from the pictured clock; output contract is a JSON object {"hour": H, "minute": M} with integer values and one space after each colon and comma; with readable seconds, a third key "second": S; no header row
{"hour": 6, "minute": 7}
